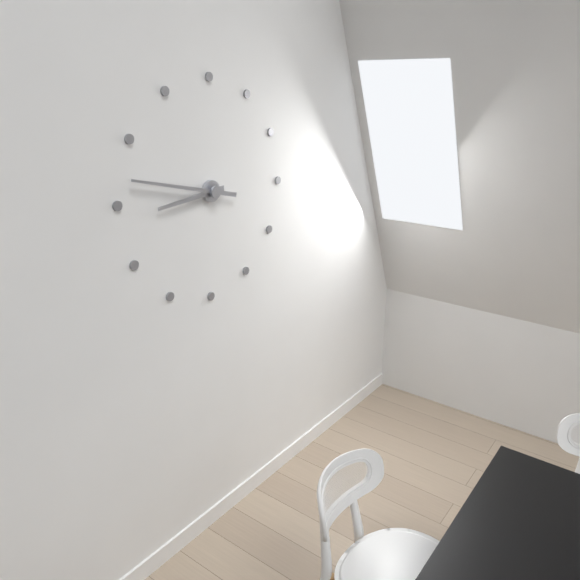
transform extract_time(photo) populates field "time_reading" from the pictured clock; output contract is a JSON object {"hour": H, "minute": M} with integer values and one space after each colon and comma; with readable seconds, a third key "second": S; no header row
{"hour": 8, "minute": 47}
